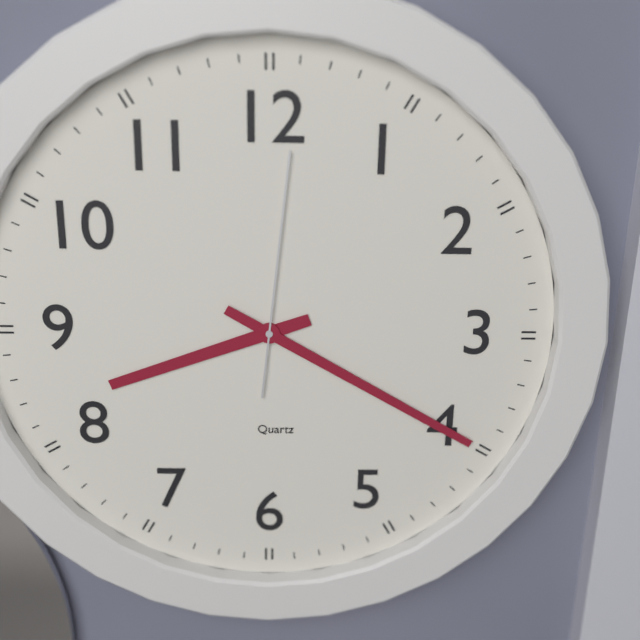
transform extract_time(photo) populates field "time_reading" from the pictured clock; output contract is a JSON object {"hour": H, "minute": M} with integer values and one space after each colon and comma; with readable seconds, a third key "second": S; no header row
{"hour": 8, "minute": 20, "second": 1}
